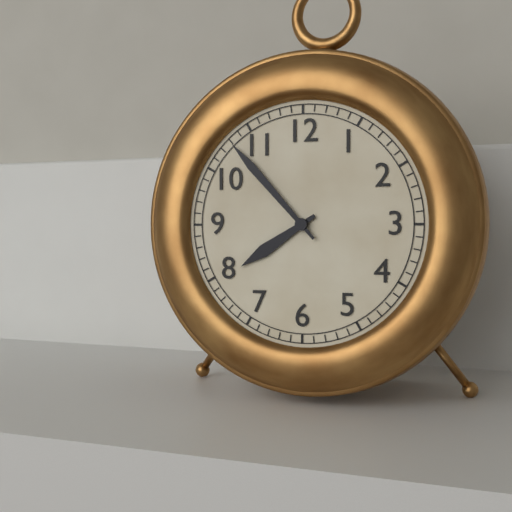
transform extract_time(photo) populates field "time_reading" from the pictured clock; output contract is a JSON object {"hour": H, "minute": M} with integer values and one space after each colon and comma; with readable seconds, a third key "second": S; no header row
{"hour": 7, "minute": 53}
